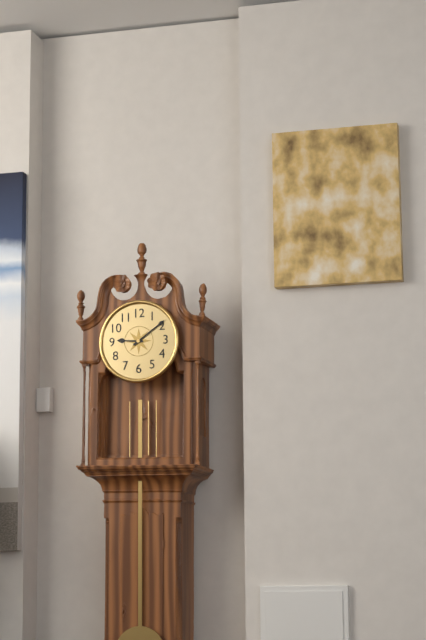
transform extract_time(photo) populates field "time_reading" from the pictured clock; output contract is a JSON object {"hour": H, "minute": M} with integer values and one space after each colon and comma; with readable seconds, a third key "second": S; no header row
{"hour": 9, "minute": 9}
